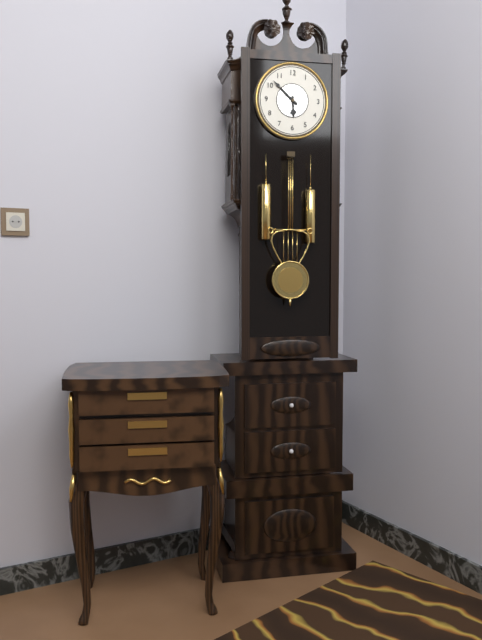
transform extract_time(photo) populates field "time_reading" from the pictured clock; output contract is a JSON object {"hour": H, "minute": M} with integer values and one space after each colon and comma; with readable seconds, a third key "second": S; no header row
{"hour": 5, "minute": 52}
